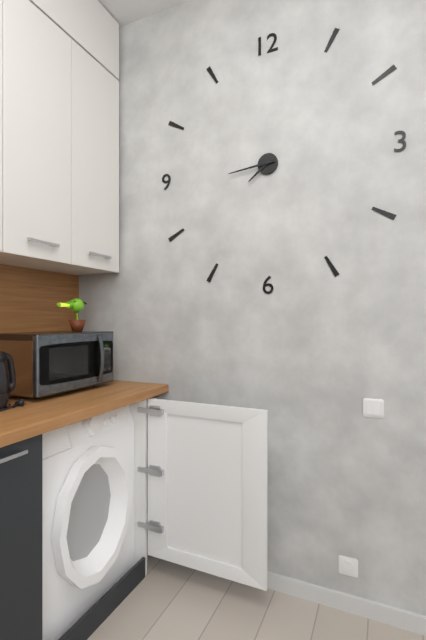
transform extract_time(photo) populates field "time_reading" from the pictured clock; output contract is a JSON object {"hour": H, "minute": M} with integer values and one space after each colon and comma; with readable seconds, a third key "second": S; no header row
{"hour": 7, "minute": 44}
